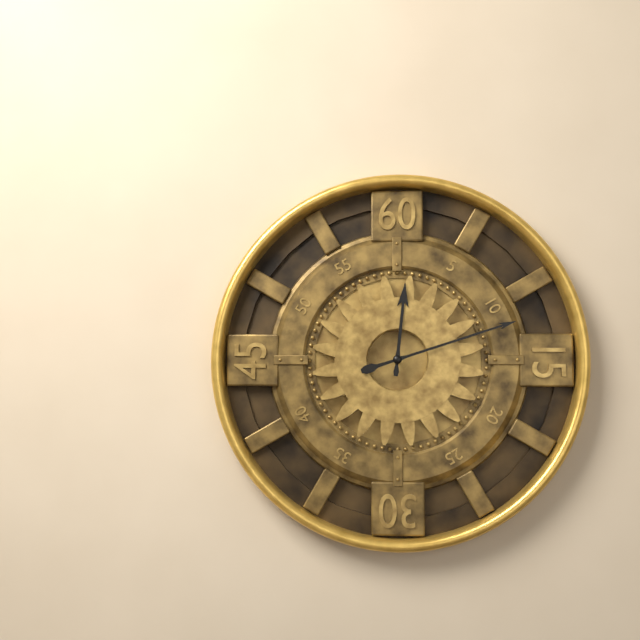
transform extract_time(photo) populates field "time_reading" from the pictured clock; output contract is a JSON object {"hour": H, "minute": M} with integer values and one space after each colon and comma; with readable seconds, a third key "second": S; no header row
{"hour": 12, "minute": 12}
